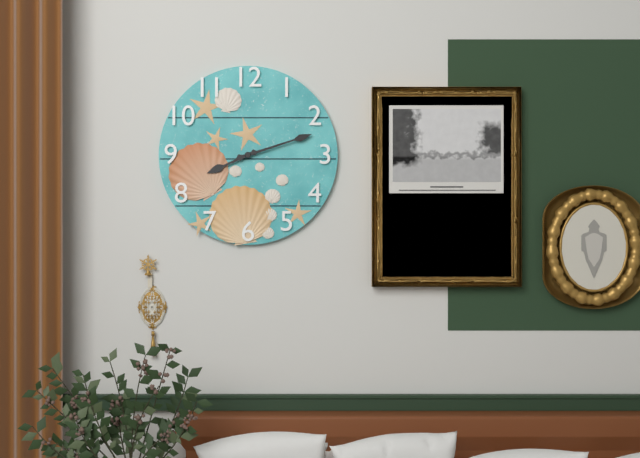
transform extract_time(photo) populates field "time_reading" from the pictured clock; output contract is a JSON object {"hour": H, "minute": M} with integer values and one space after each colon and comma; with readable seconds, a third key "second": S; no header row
{"hour": 8, "minute": 12}
